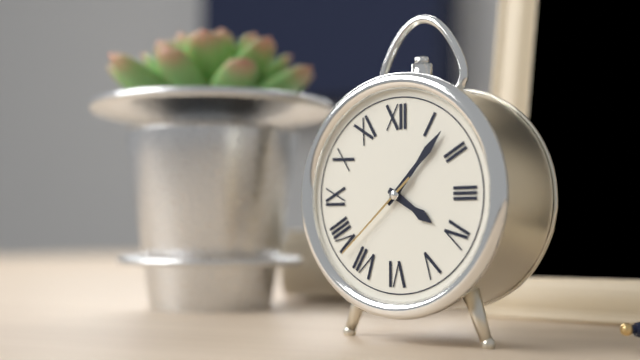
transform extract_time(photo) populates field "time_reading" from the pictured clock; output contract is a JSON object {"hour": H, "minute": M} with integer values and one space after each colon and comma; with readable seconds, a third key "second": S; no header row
{"hour": 4, "minute": 7, "second": 38}
